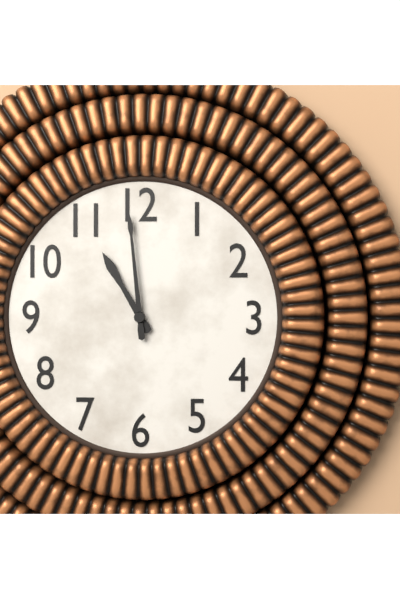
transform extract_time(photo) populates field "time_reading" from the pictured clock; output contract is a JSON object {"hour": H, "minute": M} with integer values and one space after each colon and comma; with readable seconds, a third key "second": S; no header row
{"hour": 10, "minute": 59}
